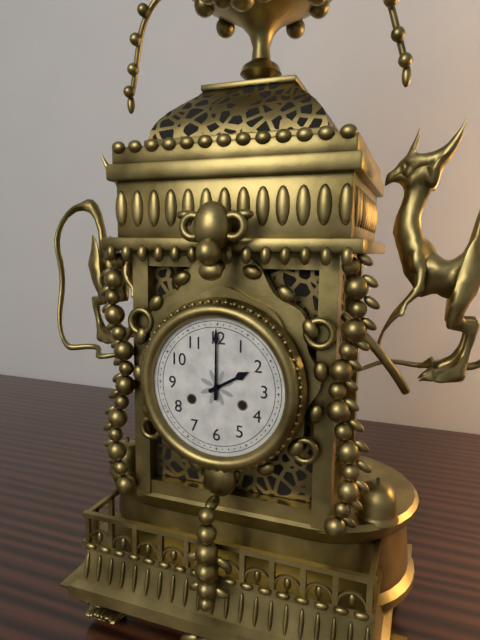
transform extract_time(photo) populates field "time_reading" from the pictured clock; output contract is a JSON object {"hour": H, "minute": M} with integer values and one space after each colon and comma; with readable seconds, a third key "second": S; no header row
{"hour": 2, "minute": 0}
